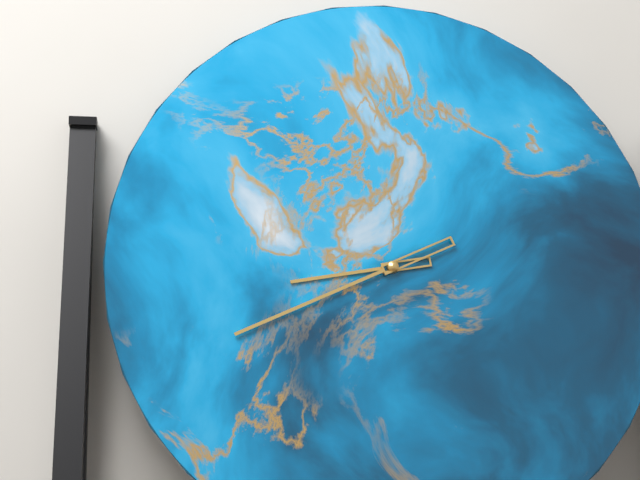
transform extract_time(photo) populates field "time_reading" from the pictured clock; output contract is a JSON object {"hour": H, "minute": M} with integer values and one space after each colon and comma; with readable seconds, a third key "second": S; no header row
{"hour": 8, "minute": 41}
